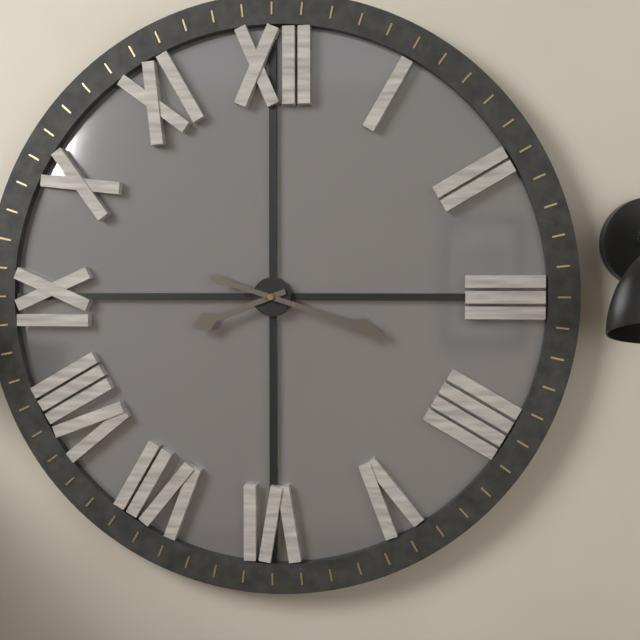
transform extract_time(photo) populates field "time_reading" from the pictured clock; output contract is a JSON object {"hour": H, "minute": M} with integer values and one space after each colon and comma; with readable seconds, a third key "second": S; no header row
{"hour": 8, "minute": 18}
